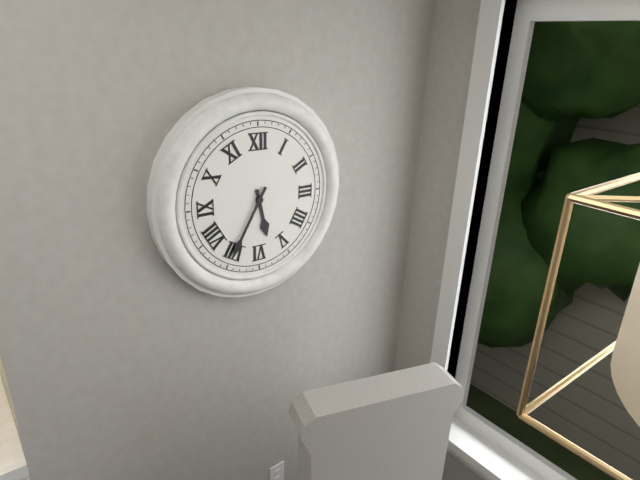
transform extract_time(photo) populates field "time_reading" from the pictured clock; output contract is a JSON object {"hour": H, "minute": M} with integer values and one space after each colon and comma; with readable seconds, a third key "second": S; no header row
{"hour": 5, "minute": 35}
